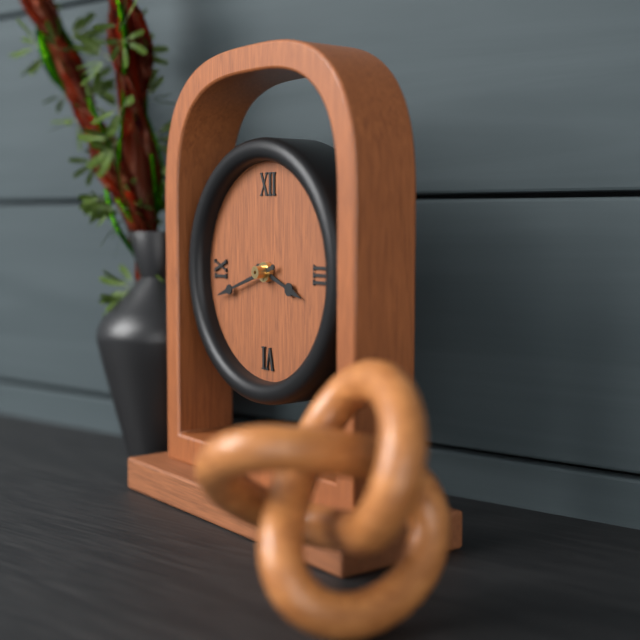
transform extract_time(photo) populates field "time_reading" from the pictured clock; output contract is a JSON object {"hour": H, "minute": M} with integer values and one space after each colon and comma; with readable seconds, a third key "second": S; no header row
{"hour": 3, "minute": 42}
